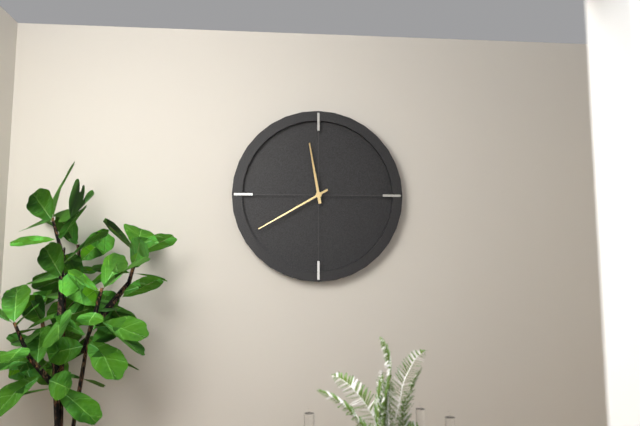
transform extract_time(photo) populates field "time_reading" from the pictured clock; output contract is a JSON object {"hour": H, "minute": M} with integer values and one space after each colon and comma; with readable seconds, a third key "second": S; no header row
{"hour": 11, "minute": 40}
